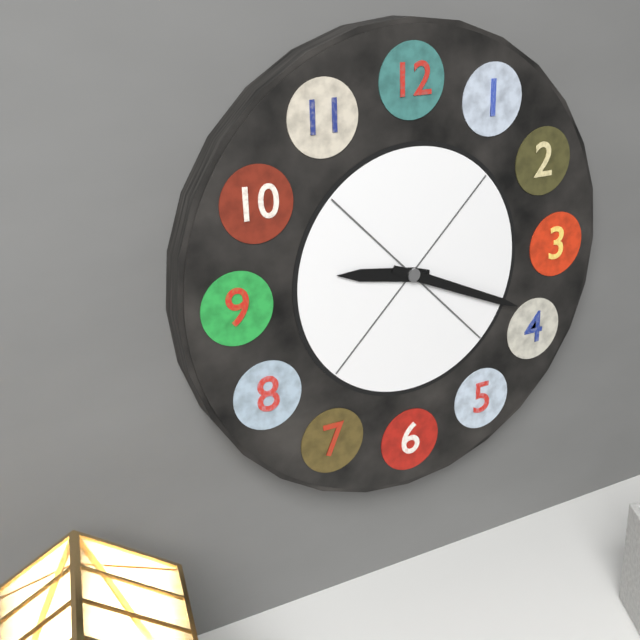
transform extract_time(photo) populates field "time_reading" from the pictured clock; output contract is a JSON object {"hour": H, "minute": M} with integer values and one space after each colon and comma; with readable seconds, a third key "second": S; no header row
{"hour": 9, "minute": 19}
